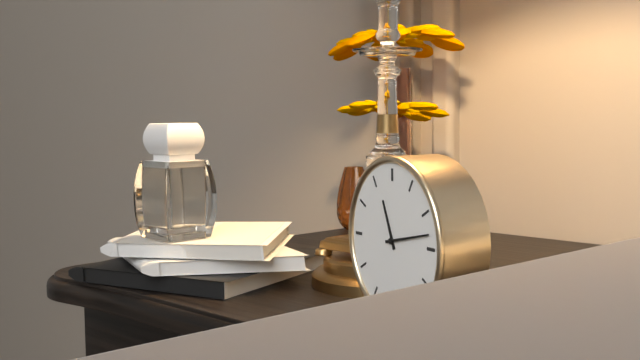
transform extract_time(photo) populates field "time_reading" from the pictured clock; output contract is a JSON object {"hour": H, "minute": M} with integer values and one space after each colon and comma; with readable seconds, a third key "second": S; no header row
{"hour": 11, "minute": 13}
